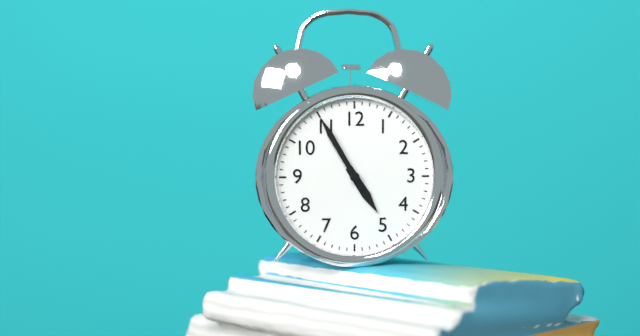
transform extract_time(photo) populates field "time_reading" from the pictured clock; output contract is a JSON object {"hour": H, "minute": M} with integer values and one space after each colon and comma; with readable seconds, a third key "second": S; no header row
{"hour": 4, "minute": 55}
